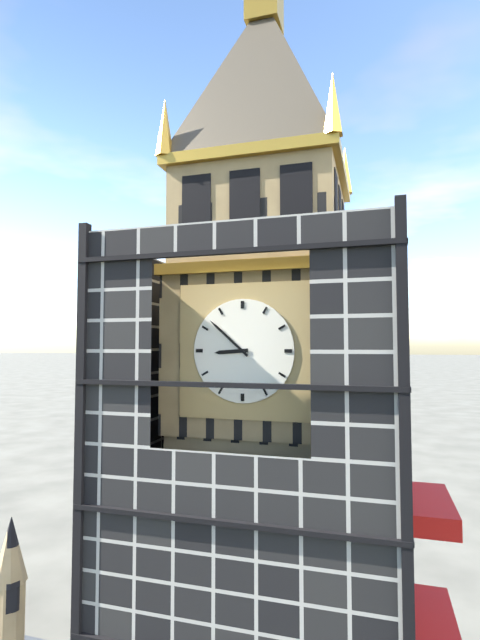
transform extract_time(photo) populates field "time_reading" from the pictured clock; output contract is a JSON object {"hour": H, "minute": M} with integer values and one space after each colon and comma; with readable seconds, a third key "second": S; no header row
{"hour": 8, "minute": 52}
